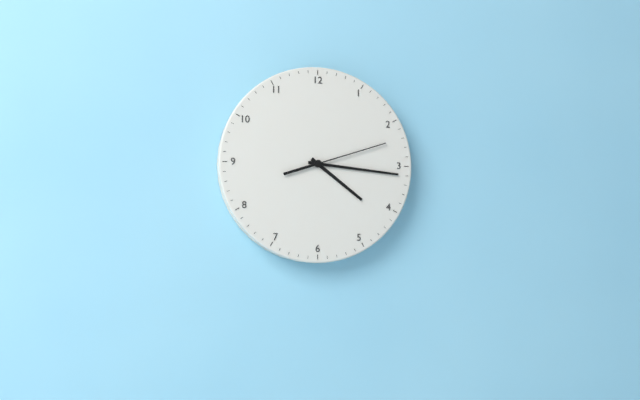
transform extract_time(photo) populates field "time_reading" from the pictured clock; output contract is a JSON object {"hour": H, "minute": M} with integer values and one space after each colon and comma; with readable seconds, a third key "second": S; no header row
{"hour": 4, "minute": 16, "second": 12}
